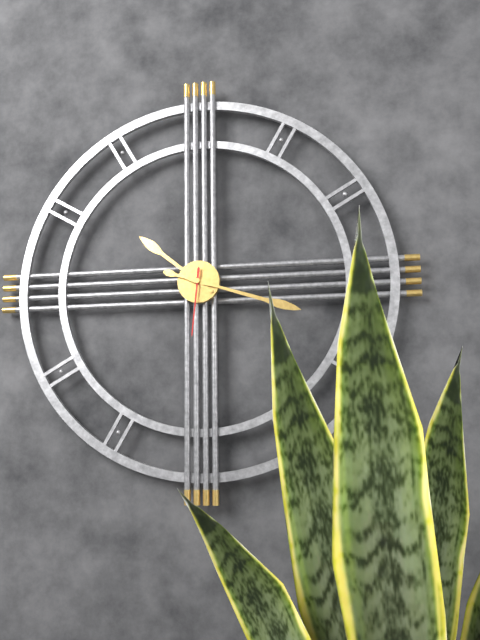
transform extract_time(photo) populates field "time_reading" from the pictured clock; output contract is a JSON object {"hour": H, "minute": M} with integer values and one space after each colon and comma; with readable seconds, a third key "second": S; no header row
{"hour": 10, "minute": 18, "second": 31}
